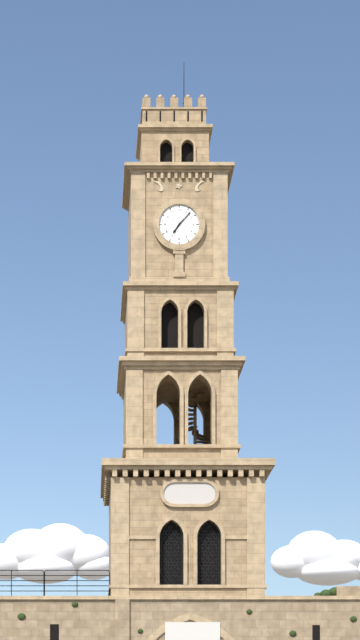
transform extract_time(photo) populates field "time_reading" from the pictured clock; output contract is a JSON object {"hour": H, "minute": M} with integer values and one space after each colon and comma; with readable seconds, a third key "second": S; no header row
{"hour": 7, "minute": 7}
